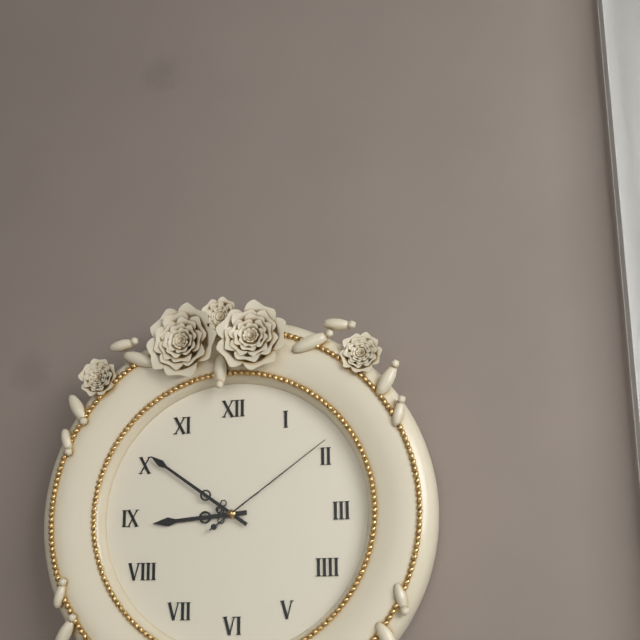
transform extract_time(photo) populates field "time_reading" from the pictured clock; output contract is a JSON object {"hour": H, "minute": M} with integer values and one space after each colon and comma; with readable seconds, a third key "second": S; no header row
{"hour": 8, "minute": 51, "second": 9}
